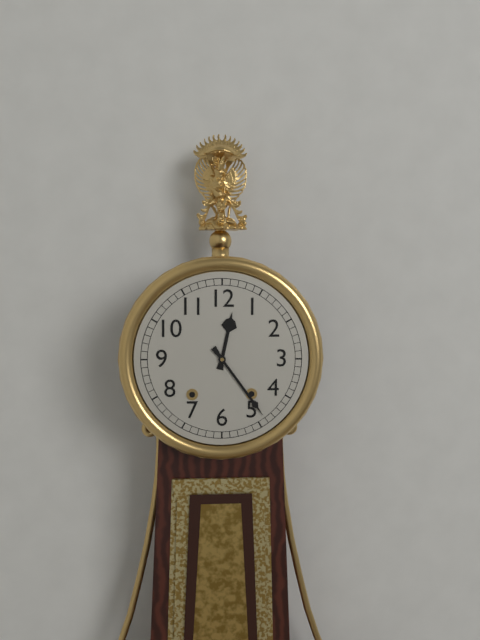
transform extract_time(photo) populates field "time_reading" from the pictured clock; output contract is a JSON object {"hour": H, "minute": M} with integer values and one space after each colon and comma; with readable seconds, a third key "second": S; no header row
{"hour": 12, "minute": 24}
